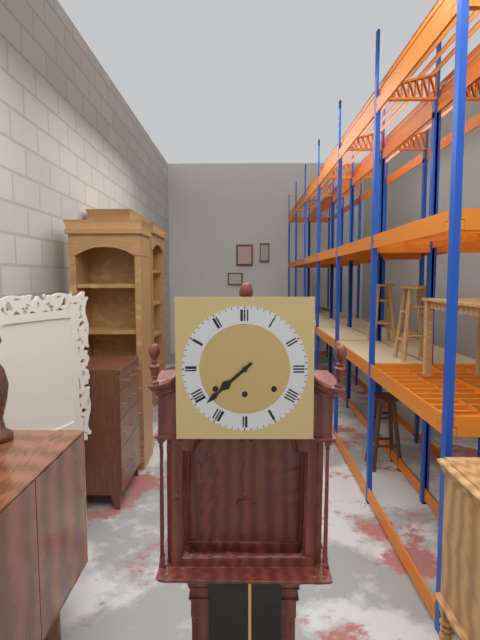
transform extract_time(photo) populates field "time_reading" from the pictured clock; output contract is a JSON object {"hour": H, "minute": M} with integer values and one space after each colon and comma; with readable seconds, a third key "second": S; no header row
{"hour": 7, "minute": 38}
